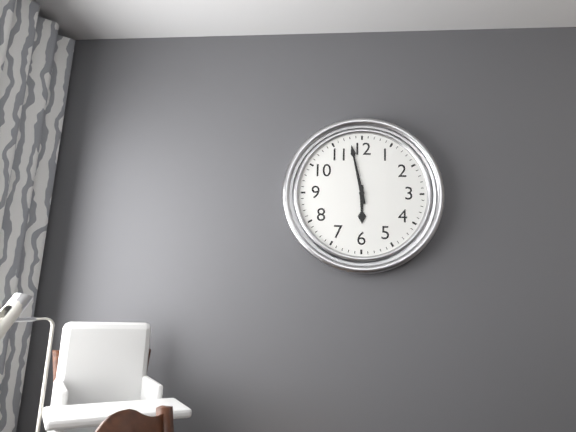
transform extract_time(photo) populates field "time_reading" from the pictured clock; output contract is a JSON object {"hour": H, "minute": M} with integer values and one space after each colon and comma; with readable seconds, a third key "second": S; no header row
{"hour": 5, "minute": 58}
